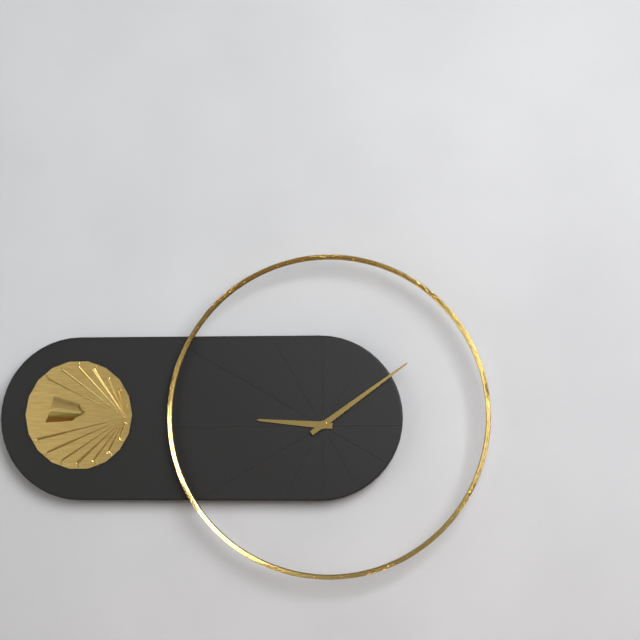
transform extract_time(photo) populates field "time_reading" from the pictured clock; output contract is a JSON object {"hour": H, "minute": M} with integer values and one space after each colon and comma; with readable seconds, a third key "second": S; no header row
{"hour": 9, "minute": 9}
